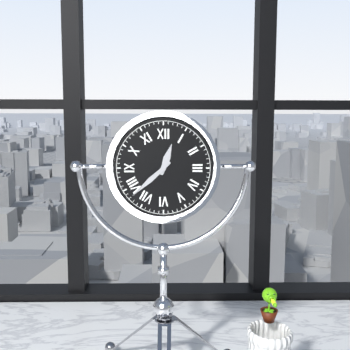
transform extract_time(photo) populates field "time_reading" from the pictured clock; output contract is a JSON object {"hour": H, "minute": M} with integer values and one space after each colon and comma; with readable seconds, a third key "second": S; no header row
{"hour": 12, "minute": 38}
